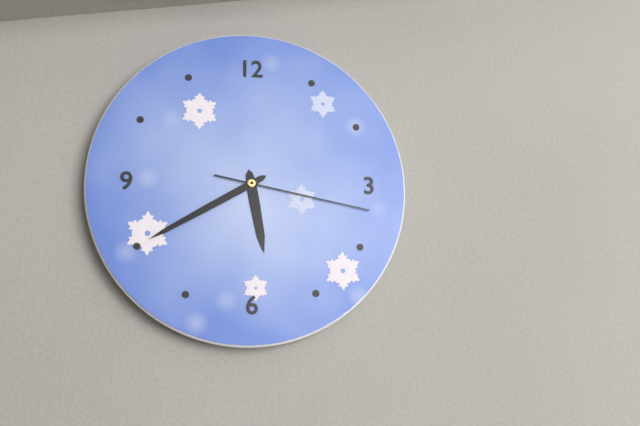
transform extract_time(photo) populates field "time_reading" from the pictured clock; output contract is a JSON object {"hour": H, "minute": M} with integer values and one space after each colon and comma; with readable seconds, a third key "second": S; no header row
{"hour": 5, "minute": 40, "second": 17}
